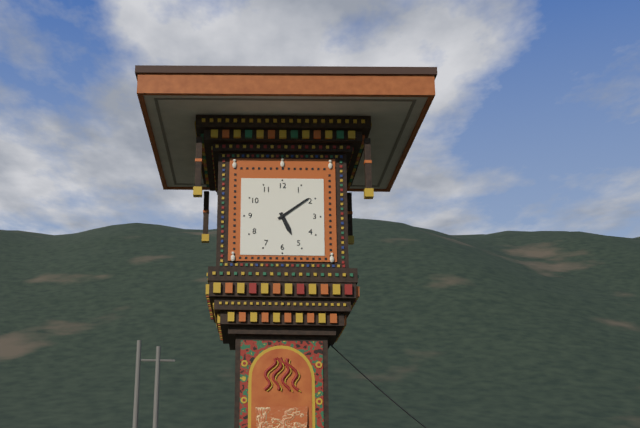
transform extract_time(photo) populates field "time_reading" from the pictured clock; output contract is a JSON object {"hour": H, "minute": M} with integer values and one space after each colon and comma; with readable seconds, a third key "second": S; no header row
{"hour": 5, "minute": 9}
